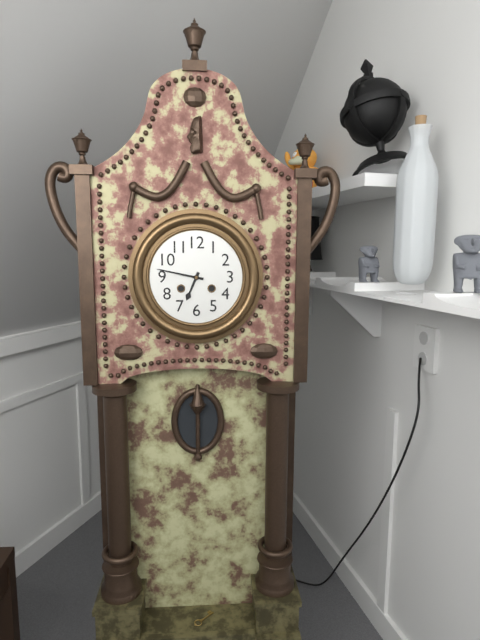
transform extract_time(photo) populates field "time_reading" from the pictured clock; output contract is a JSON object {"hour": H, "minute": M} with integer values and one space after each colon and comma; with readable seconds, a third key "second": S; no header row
{"hour": 6, "minute": 47}
